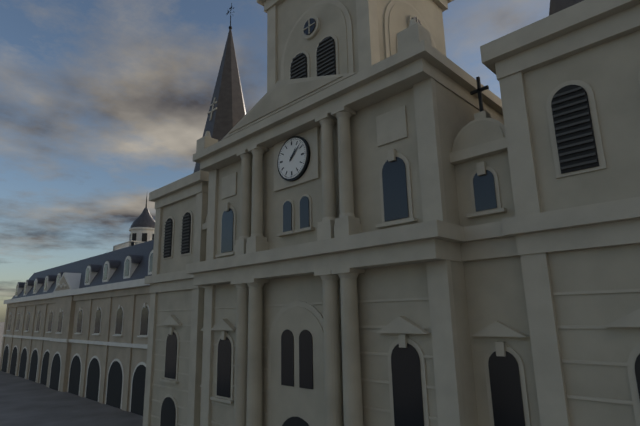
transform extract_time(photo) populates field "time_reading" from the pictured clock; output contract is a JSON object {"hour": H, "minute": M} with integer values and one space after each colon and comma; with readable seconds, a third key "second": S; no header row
{"hour": 1, "minute": 8}
